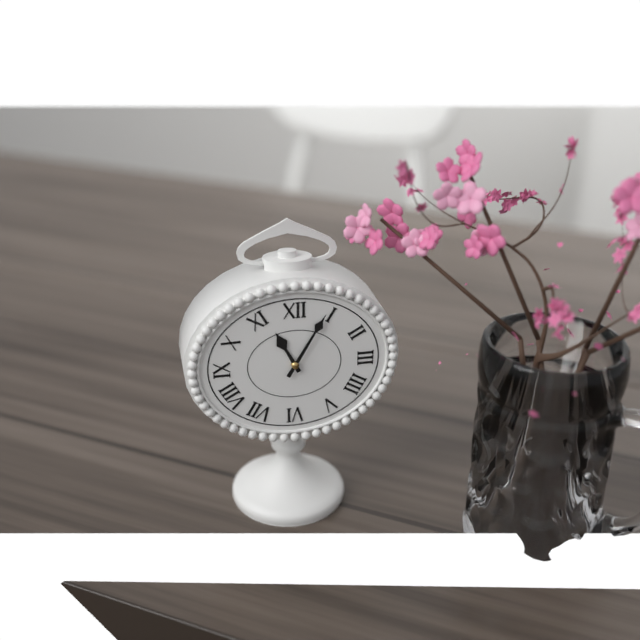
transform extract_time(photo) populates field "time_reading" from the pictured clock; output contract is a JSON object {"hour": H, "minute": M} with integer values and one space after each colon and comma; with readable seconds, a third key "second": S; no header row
{"hour": 11, "minute": 5}
